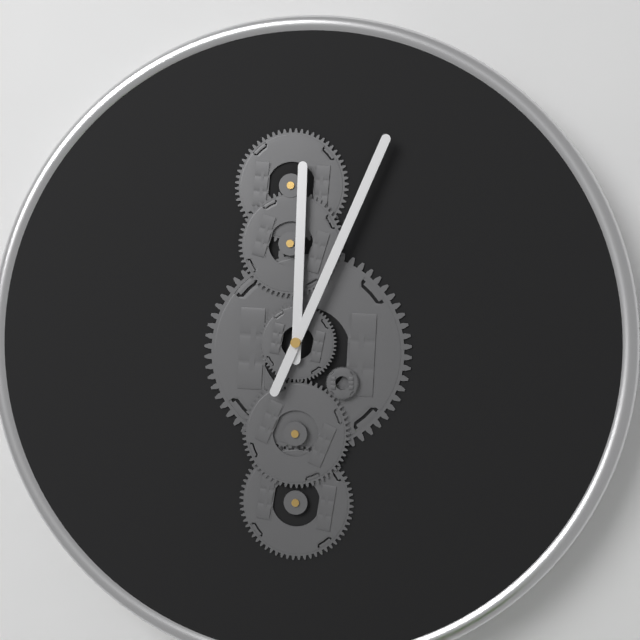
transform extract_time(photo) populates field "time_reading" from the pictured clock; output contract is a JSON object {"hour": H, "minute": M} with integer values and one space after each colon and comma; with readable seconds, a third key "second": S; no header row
{"hour": 12, "minute": 4}
